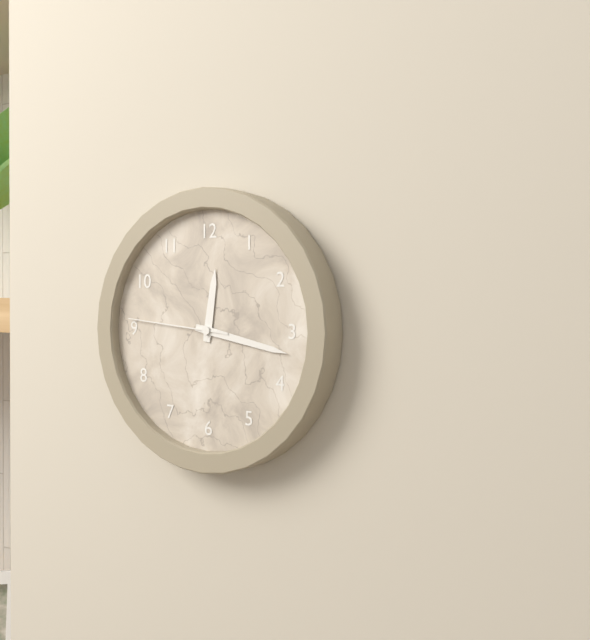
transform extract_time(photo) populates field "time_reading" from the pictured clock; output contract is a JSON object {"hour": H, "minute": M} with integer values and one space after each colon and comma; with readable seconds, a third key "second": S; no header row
{"hour": 12, "minute": 17, "second": 46}
